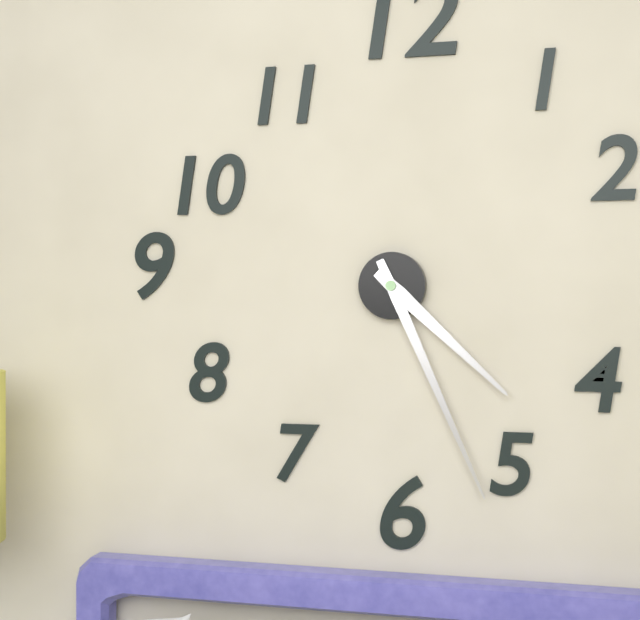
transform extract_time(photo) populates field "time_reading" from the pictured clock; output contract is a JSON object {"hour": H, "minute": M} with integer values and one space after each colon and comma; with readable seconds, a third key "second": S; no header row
{"hour": 4, "minute": 26}
